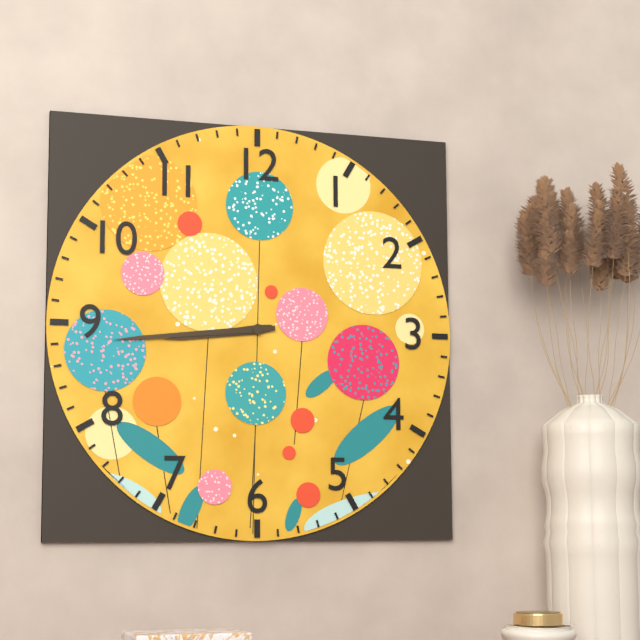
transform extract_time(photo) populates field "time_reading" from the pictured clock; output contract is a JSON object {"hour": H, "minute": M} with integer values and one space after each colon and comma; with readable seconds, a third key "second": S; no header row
{"hour": 8, "minute": 44}
